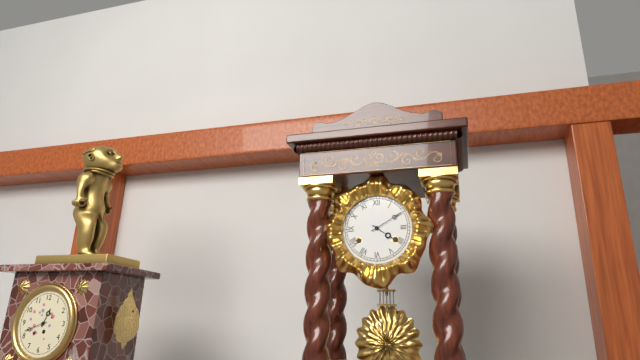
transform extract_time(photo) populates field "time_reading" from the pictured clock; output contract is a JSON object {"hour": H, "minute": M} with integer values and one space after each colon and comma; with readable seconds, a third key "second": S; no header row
{"hour": 4, "minute": 10}
